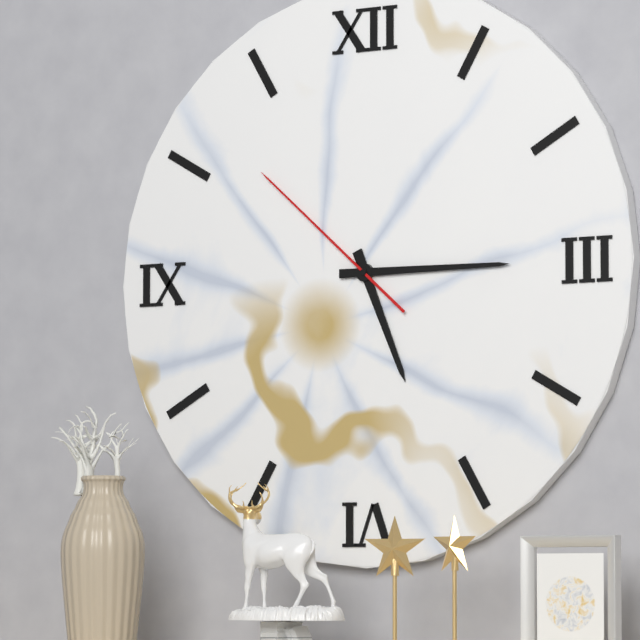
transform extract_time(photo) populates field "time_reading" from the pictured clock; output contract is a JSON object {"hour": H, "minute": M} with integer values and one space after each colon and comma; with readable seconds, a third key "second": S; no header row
{"hour": 5, "minute": 15, "second": 52}
